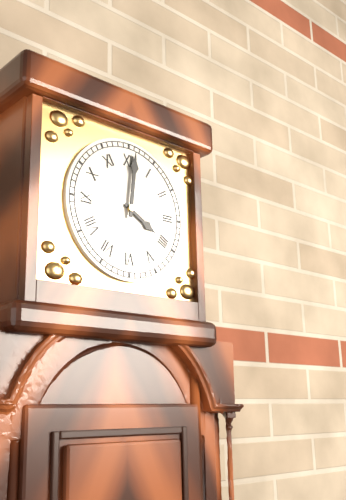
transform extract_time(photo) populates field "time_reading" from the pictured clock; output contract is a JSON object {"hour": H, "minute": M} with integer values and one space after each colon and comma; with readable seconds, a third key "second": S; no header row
{"hour": 4, "minute": 1}
